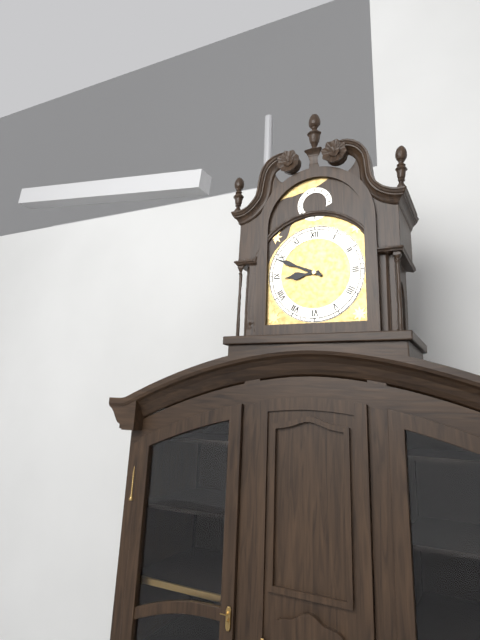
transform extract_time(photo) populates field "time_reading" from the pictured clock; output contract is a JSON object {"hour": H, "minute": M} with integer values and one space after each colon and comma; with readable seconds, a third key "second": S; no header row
{"hour": 8, "minute": 49}
